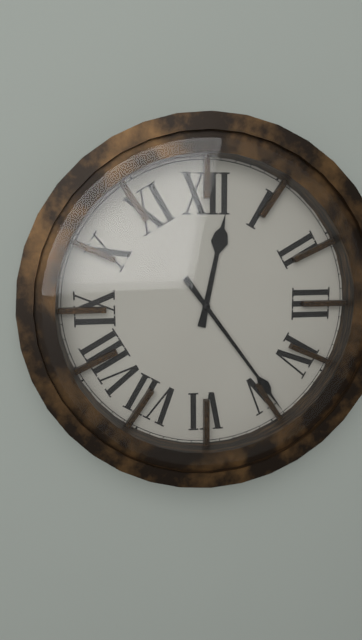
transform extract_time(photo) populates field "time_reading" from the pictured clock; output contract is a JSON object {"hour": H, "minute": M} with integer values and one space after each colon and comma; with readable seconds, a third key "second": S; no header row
{"hour": 12, "minute": 24}
